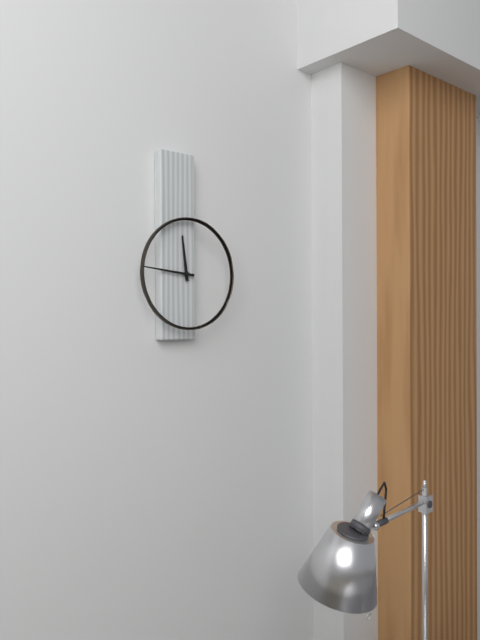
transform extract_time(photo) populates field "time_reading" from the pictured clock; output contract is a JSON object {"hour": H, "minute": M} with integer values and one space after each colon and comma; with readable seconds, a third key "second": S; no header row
{"hour": 11, "minute": 46}
